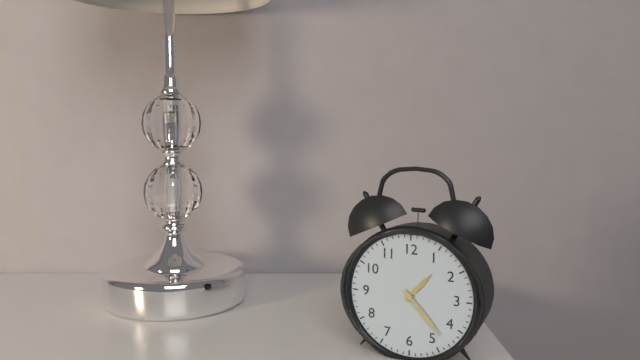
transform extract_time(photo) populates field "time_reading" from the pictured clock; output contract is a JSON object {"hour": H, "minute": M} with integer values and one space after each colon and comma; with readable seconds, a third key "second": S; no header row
{"hour": 1, "minute": 23}
